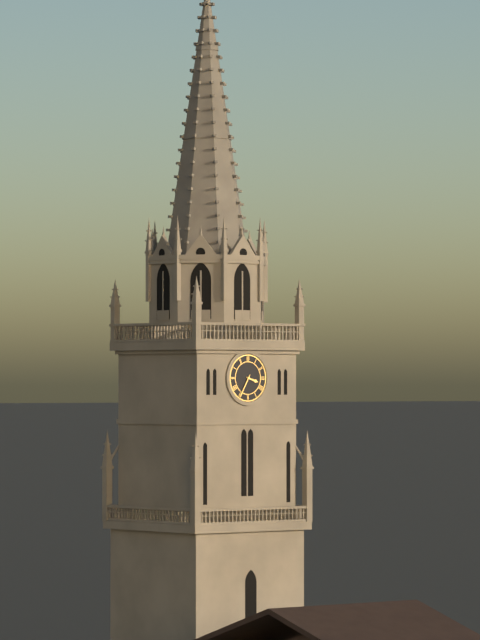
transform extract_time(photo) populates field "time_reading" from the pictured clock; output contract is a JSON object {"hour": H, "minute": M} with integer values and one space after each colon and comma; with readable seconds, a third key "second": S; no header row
{"hour": 3, "minute": 35}
